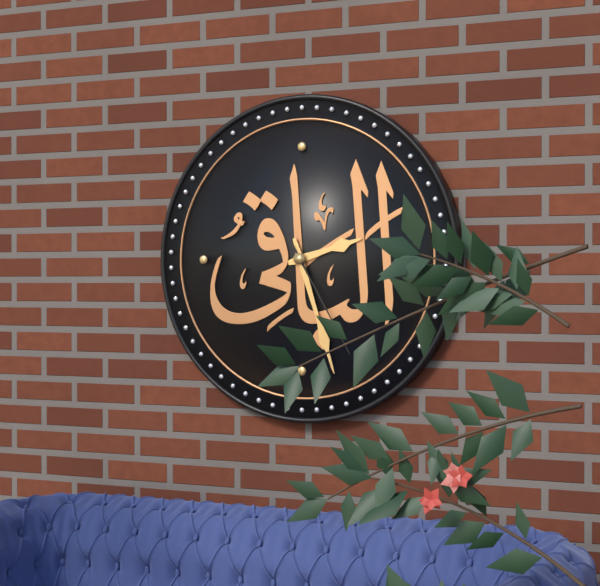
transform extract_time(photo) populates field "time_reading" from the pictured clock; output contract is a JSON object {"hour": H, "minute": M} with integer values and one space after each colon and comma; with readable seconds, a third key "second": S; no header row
{"hour": 2, "minute": 27, "second": 25}
